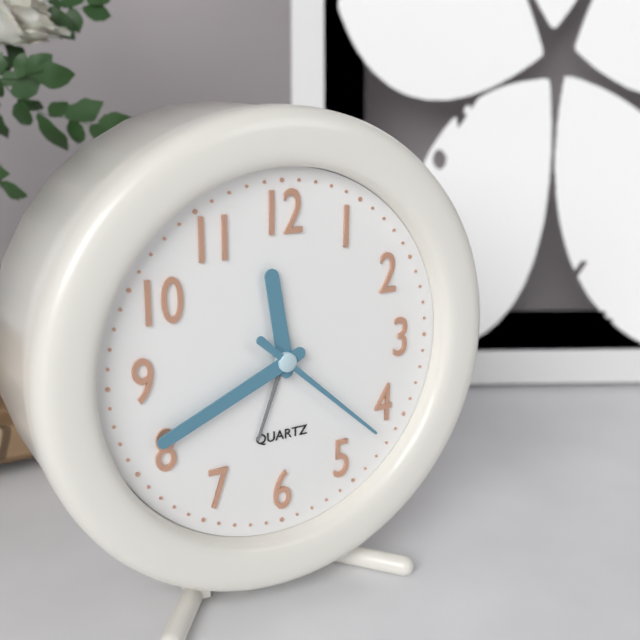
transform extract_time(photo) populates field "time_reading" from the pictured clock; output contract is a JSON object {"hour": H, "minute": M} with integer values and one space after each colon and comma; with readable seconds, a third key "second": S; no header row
{"hour": 11, "minute": 41, "second": 22}
